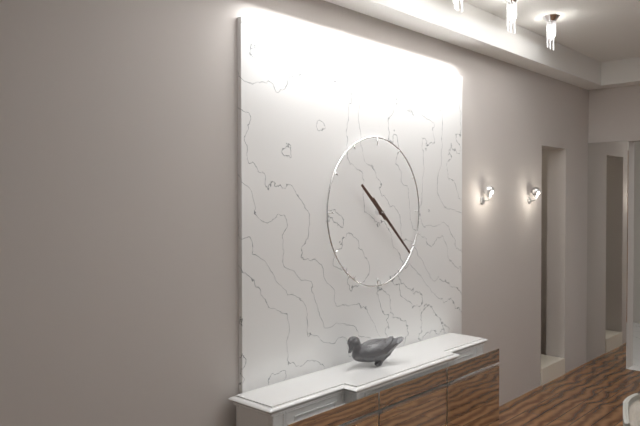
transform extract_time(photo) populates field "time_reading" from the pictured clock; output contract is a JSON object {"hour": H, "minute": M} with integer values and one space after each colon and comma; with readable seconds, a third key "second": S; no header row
{"hour": 10, "minute": 22}
